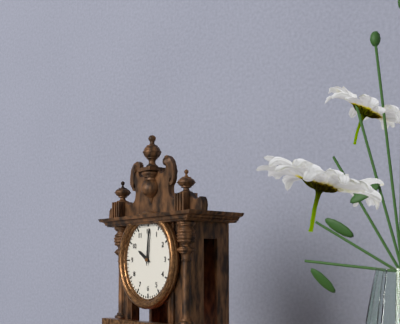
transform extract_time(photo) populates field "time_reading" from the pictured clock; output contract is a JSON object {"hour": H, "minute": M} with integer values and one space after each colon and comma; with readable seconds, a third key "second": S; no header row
{"hour": 10, "minute": 1}
